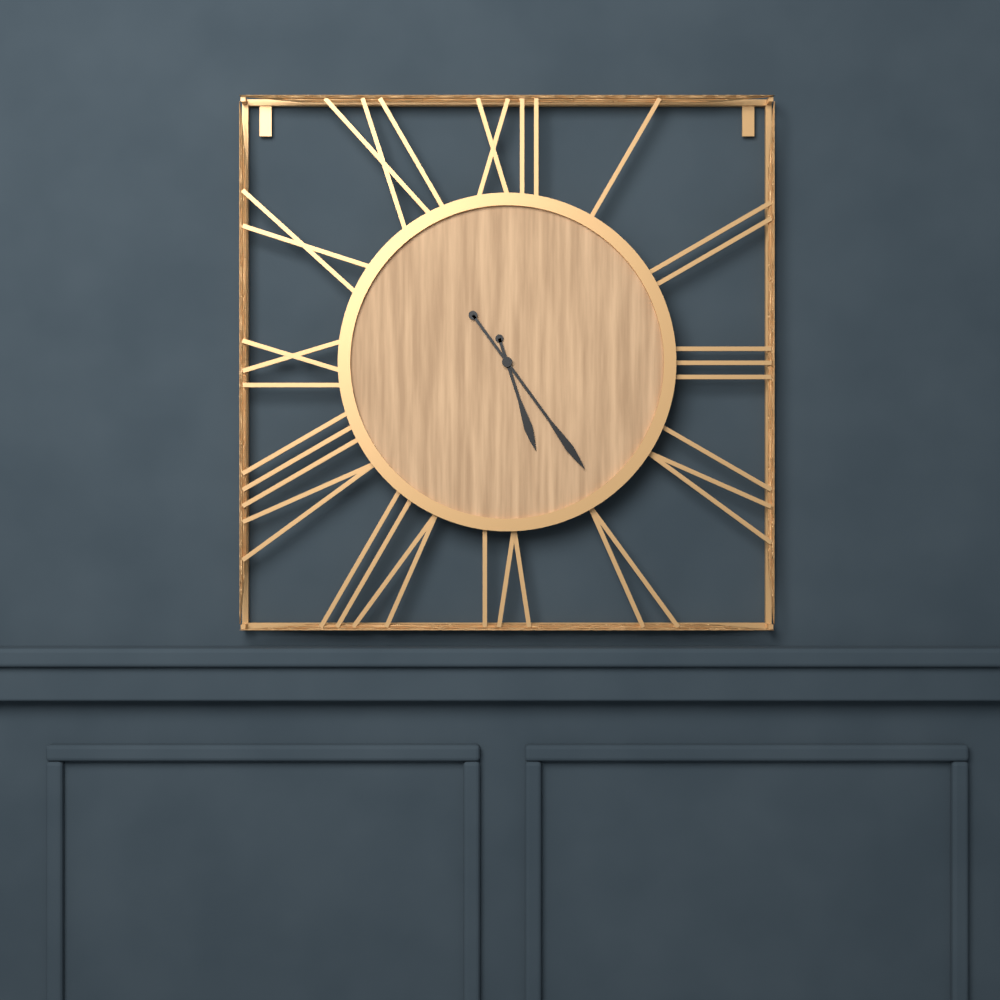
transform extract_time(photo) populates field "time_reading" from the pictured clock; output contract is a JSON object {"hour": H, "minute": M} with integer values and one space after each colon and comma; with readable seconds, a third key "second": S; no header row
{"hour": 5, "minute": 24}
